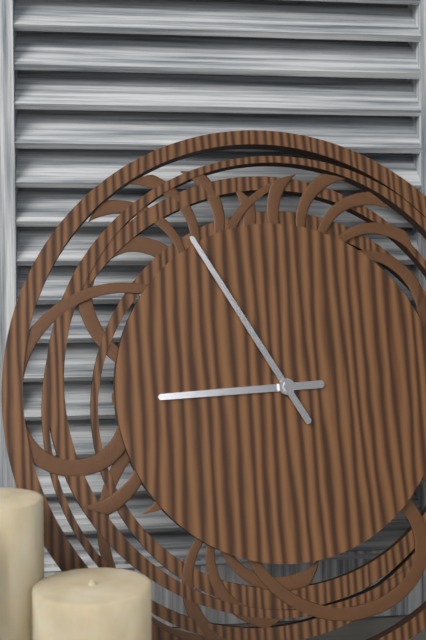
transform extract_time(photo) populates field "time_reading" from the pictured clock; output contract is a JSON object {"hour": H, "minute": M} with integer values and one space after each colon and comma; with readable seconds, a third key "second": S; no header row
{"hour": 8, "minute": 55}
